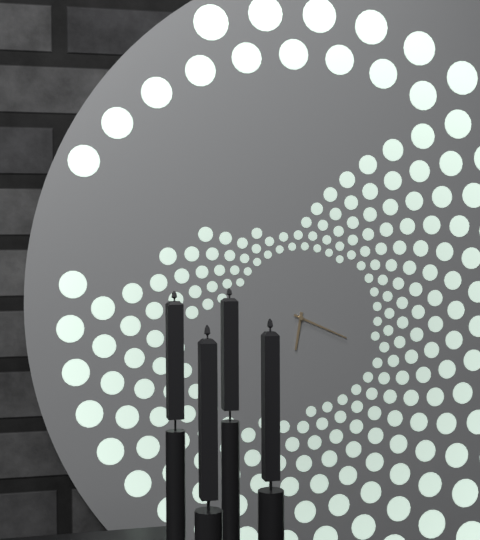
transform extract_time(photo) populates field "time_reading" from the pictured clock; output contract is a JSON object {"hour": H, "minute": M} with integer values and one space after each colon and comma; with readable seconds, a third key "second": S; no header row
{"hour": 6, "minute": 19}
